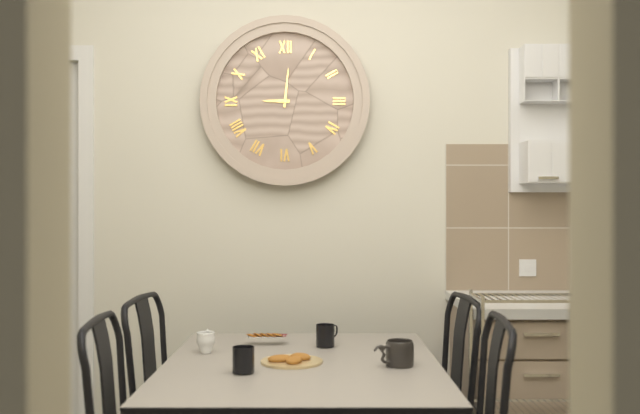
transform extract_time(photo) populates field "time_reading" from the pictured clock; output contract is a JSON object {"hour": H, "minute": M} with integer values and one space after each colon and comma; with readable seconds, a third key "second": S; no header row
{"hour": 9, "minute": 1}
